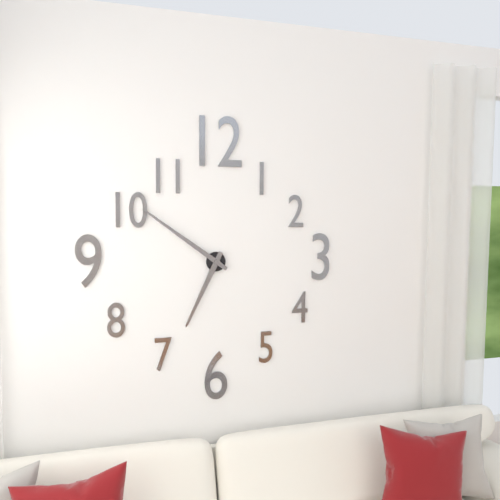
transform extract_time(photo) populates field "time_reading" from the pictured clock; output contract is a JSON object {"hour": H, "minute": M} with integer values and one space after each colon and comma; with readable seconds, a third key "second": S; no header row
{"hour": 6, "minute": 51}
